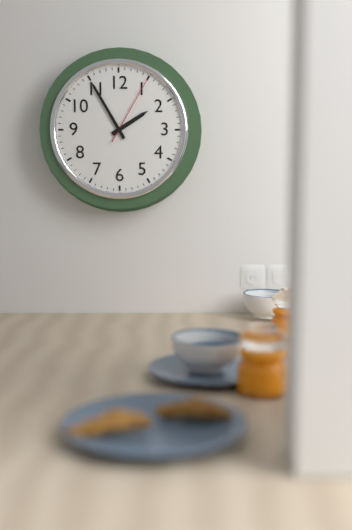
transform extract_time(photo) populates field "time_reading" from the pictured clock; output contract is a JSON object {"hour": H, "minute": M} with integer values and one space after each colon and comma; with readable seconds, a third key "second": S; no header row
{"hour": 1, "minute": 55, "second": 5}
